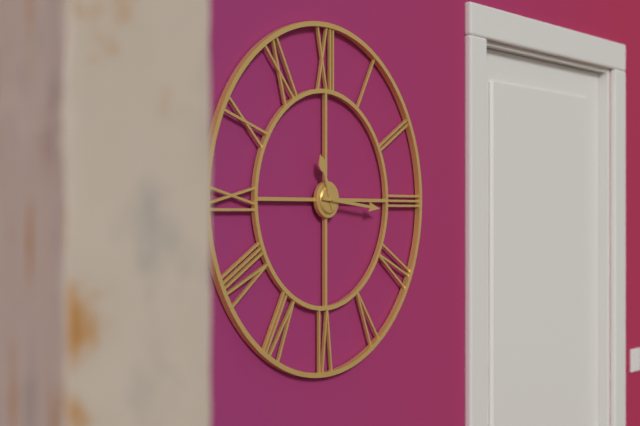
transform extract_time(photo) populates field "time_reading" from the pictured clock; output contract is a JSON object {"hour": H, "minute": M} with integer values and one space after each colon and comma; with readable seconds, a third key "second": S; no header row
{"hour": 11, "minute": 16}
